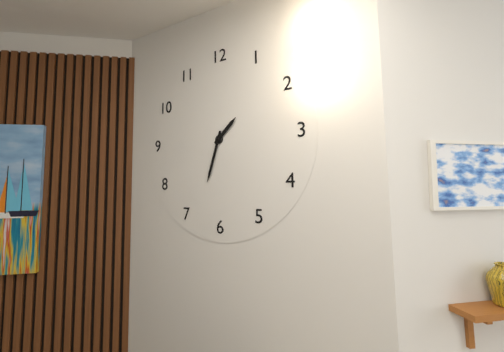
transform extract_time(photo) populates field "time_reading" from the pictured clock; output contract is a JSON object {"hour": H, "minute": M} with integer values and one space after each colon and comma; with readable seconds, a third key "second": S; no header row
{"hour": 1, "minute": 33}
